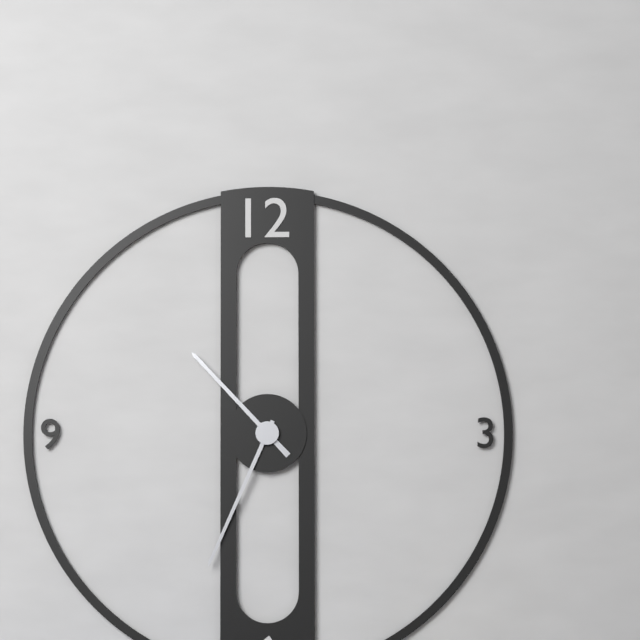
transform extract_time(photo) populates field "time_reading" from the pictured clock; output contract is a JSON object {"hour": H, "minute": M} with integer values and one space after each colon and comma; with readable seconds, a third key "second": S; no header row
{"hour": 10, "minute": 34}
